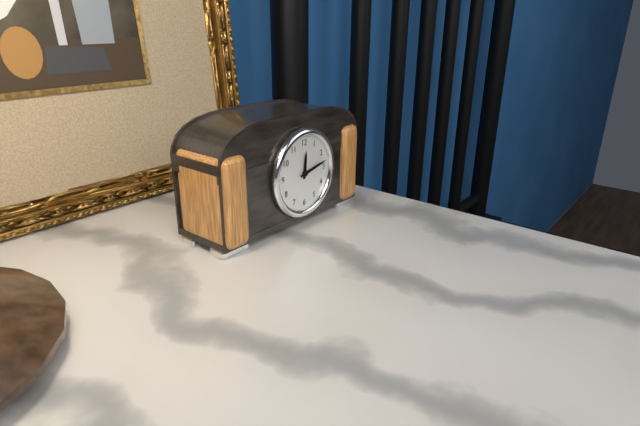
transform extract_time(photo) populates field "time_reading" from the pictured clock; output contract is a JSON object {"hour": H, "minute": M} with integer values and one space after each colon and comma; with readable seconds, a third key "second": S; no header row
{"hour": 12, "minute": 13}
